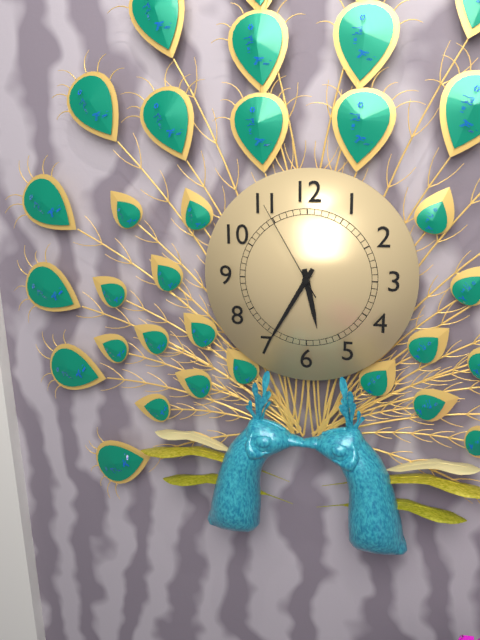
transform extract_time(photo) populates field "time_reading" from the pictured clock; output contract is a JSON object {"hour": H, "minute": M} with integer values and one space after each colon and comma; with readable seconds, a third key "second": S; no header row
{"hour": 5, "minute": 35, "second": 55}
